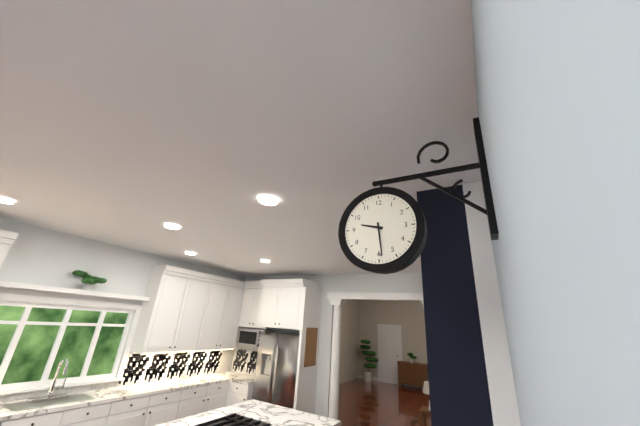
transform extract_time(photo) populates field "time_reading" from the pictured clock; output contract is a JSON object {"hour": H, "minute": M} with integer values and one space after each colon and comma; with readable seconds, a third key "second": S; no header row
{"hour": 9, "minute": 29}
